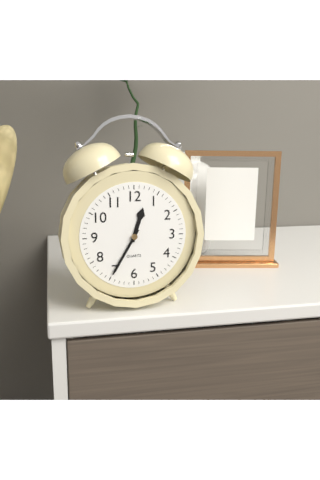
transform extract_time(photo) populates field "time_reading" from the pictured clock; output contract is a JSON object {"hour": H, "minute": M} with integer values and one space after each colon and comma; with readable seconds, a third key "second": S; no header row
{"hour": 12, "minute": 35}
